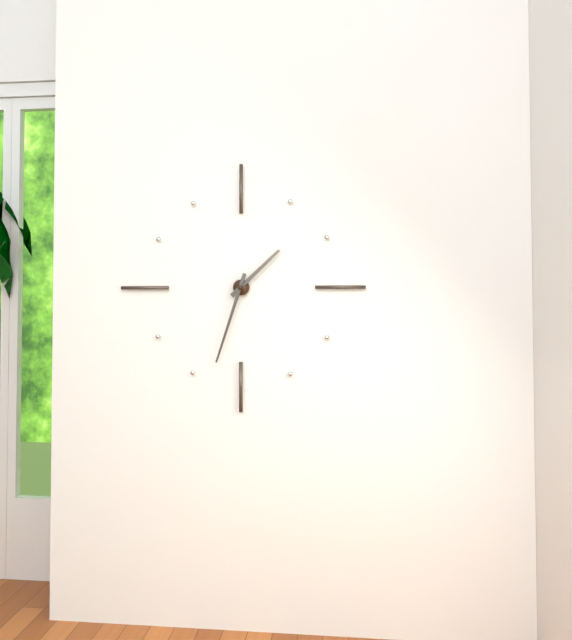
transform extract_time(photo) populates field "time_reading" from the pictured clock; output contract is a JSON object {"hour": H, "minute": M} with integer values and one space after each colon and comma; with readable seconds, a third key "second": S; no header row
{"hour": 1, "minute": 33}
